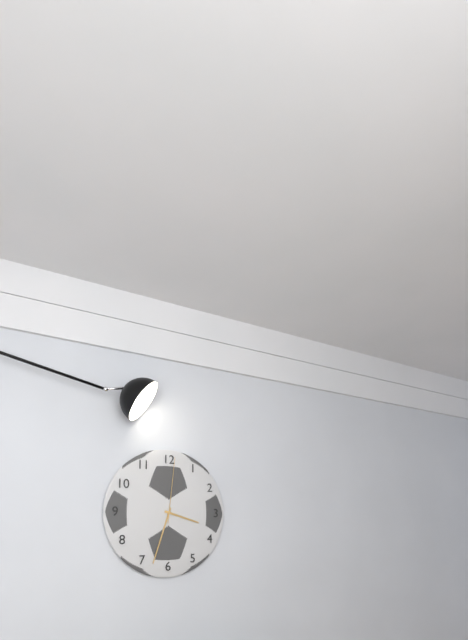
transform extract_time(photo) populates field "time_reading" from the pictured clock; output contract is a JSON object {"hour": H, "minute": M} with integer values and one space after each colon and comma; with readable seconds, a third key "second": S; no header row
{"hour": 3, "minute": 33, "second": 1}
